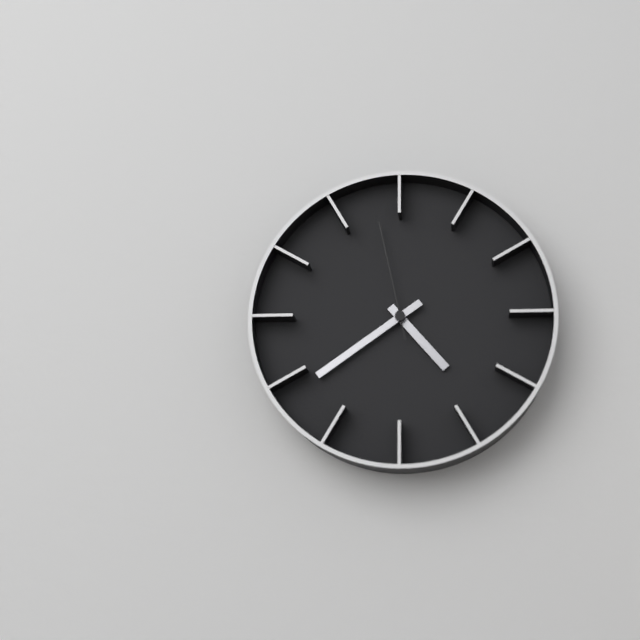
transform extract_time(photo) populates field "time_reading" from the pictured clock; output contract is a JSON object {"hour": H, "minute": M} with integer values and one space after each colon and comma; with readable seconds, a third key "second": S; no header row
{"hour": 4, "minute": 39, "second": 58}
